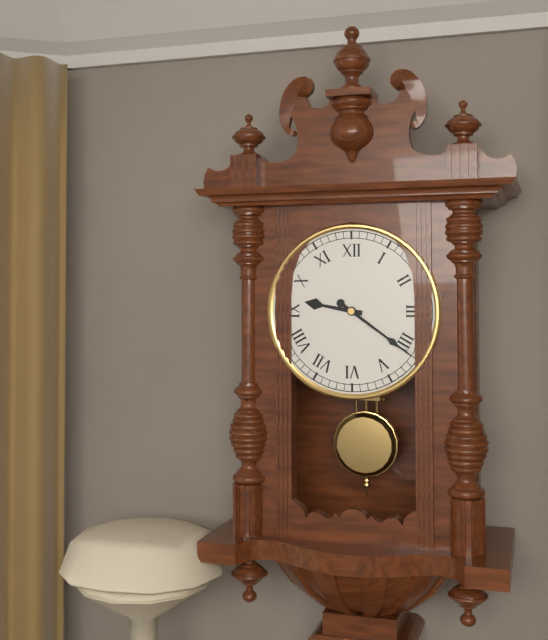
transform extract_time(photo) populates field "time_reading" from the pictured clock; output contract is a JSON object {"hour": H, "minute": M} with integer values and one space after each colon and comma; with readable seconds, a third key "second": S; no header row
{"hour": 9, "minute": 21}
